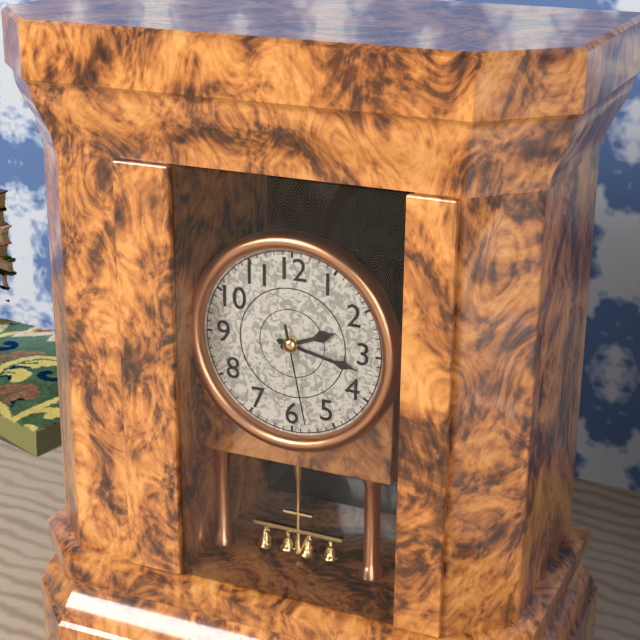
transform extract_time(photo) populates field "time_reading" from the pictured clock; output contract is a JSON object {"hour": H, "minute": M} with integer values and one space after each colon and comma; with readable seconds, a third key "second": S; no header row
{"hour": 2, "minute": 17, "second": 28}
